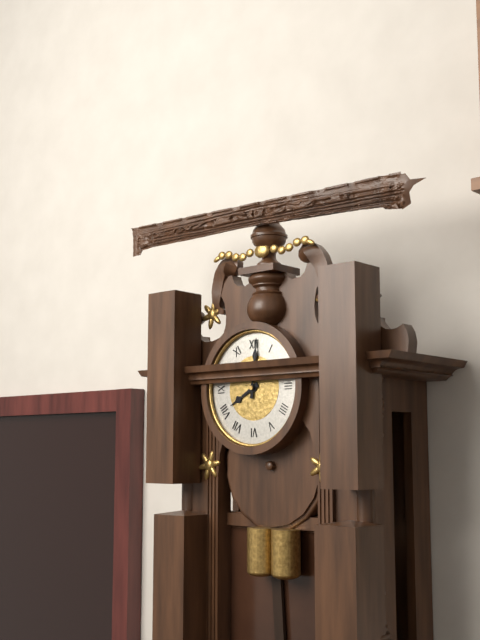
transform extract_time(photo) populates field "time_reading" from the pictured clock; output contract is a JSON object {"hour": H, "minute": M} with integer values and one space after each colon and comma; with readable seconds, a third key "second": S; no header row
{"hour": 8, "minute": 1}
